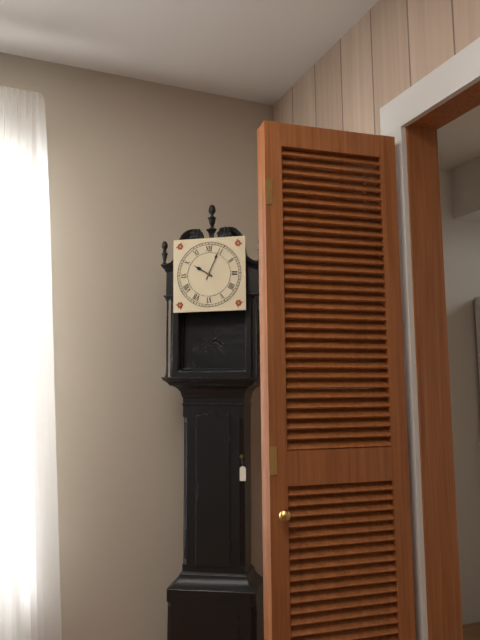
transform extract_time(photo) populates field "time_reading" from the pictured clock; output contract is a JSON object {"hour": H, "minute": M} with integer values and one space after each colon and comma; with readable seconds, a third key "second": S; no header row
{"hour": 10, "minute": 4}
